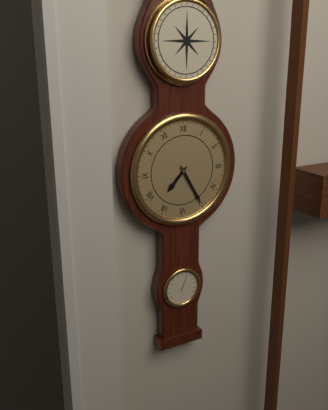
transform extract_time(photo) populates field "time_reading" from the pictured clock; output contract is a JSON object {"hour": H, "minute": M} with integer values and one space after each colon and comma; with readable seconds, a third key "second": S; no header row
{"hour": 7, "minute": 25}
